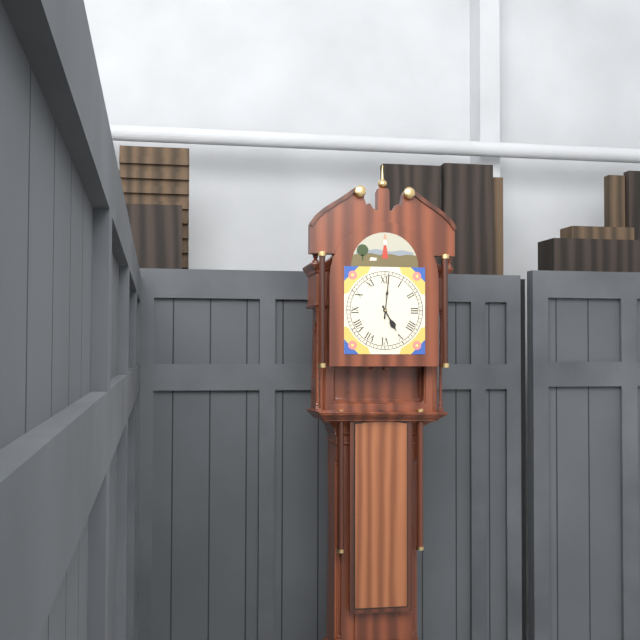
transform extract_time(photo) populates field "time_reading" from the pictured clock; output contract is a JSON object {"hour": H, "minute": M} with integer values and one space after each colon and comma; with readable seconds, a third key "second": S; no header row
{"hour": 5, "minute": 1}
